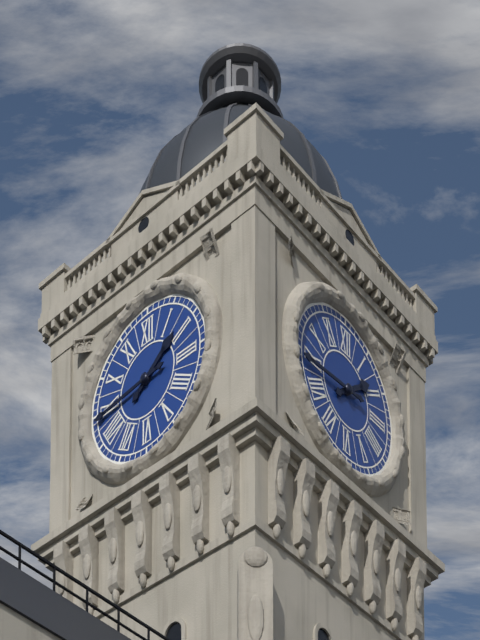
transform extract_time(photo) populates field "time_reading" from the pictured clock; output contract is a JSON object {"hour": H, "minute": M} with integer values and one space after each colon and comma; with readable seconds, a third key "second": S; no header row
{"hour": 1, "minute": 44}
